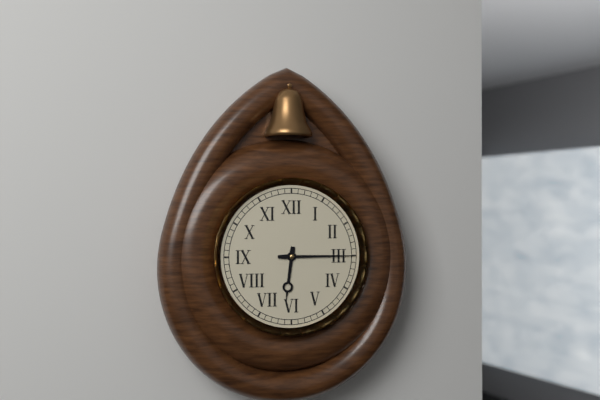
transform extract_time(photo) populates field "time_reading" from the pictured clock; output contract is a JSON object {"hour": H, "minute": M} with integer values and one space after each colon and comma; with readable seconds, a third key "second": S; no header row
{"hour": 6, "minute": 15}
